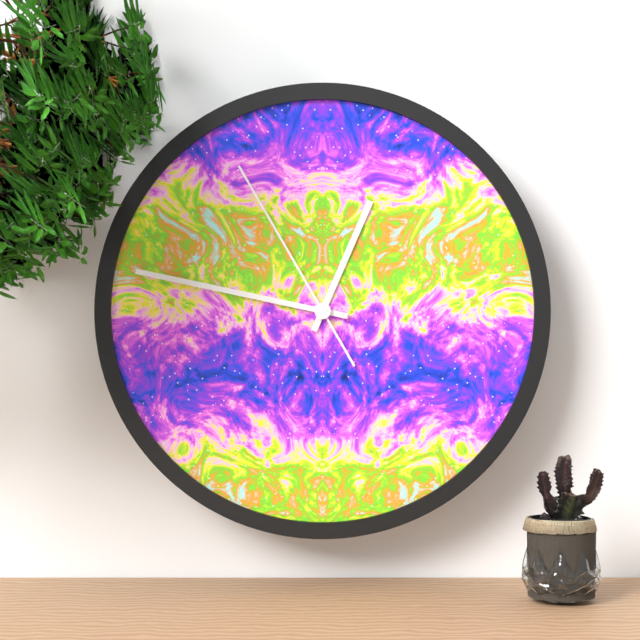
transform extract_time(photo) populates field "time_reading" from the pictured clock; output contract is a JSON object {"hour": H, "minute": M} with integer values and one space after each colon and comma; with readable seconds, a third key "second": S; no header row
{"hour": 12, "minute": 47, "second": 55}
